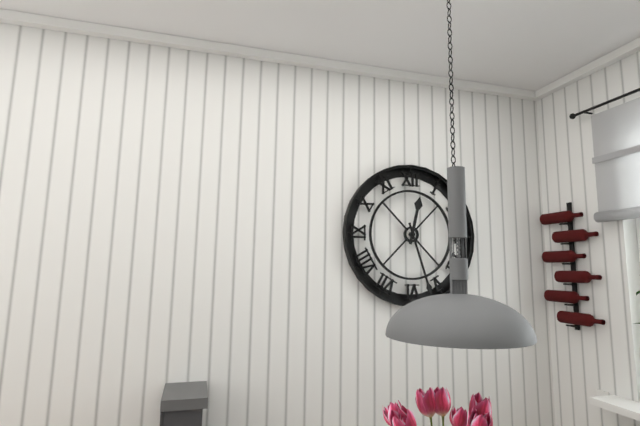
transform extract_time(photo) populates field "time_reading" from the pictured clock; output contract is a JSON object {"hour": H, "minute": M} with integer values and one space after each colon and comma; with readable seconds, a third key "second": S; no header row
{"hour": 12, "minute": 27}
